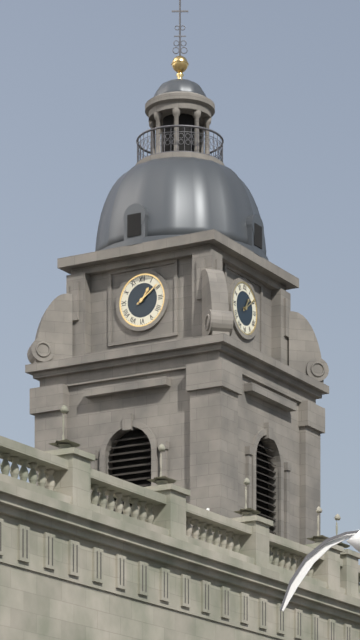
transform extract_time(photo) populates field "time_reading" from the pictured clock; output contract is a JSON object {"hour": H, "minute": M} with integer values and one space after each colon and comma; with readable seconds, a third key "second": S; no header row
{"hour": 1, "minute": 9}
